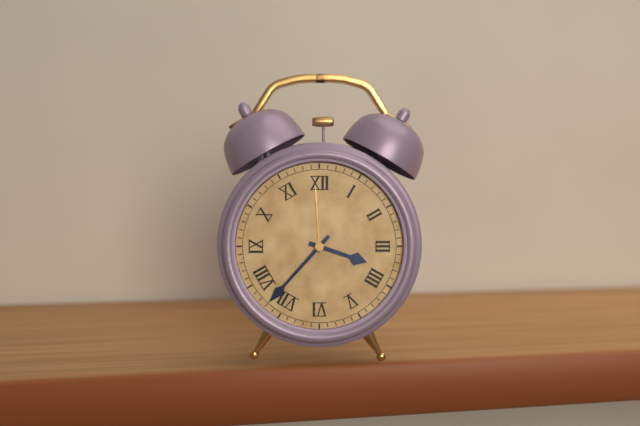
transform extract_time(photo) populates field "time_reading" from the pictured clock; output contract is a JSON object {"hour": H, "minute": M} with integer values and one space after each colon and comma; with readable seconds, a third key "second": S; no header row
{"hour": 3, "minute": 37}
